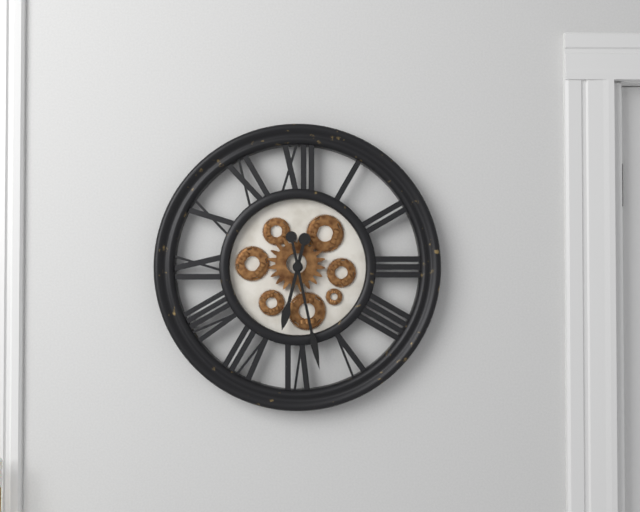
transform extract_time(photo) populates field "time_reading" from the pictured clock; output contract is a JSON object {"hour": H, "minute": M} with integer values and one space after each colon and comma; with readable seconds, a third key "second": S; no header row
{"hour": 6, "minute": 28}
